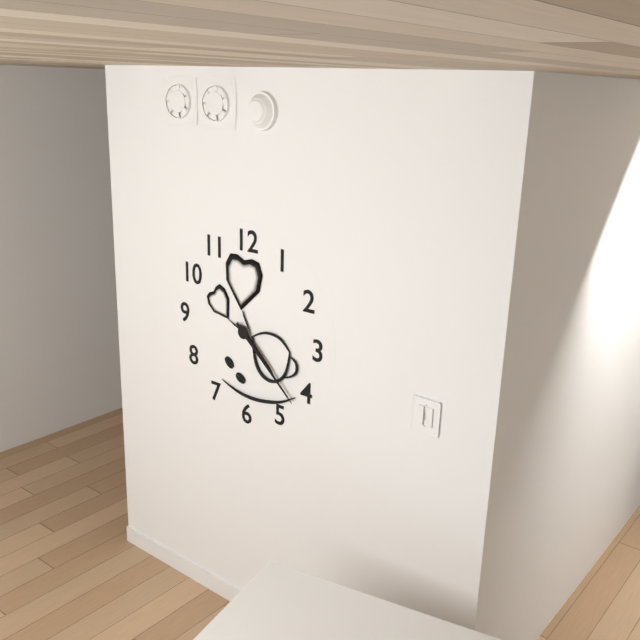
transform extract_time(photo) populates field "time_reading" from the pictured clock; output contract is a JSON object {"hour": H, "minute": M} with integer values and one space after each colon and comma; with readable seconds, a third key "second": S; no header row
{"hour": 4, "minute": 22}
